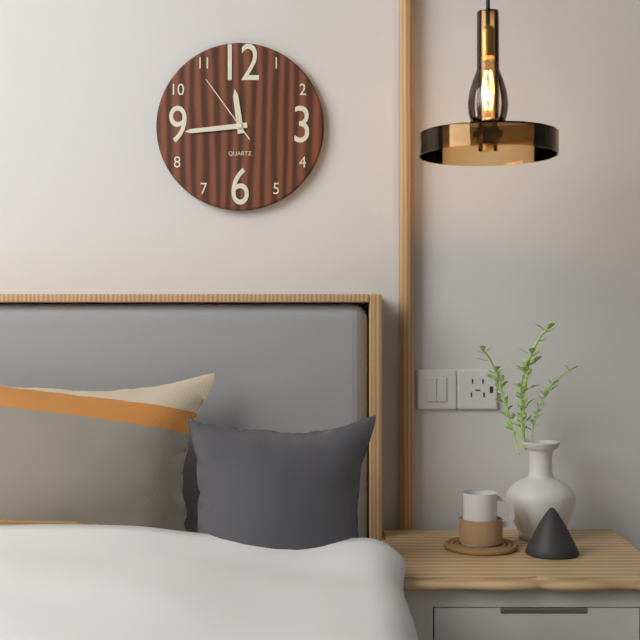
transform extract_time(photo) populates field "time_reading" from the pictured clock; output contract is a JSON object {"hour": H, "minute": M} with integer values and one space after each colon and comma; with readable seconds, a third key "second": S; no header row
{"hour": 11, "minute": 44, "second": 54}
